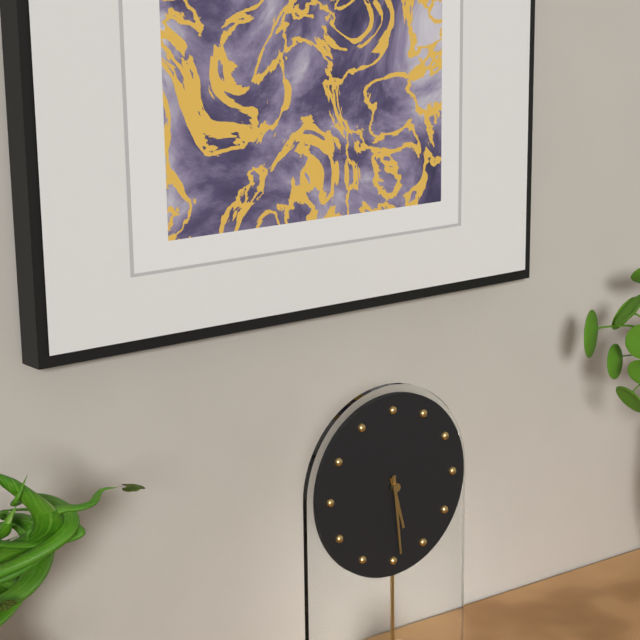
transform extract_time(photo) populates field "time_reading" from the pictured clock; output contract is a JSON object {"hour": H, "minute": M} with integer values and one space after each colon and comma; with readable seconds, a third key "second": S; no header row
{"hour": 5, "minute": 29}
